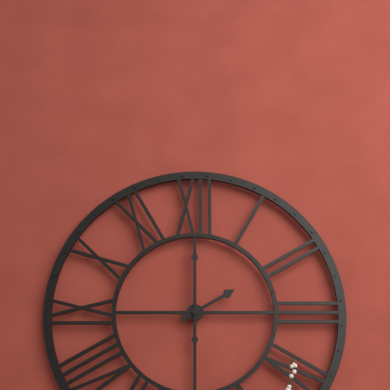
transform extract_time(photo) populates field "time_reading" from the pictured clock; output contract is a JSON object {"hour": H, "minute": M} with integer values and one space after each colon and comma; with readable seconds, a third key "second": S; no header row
{"hour": 2, "minute": 0}
